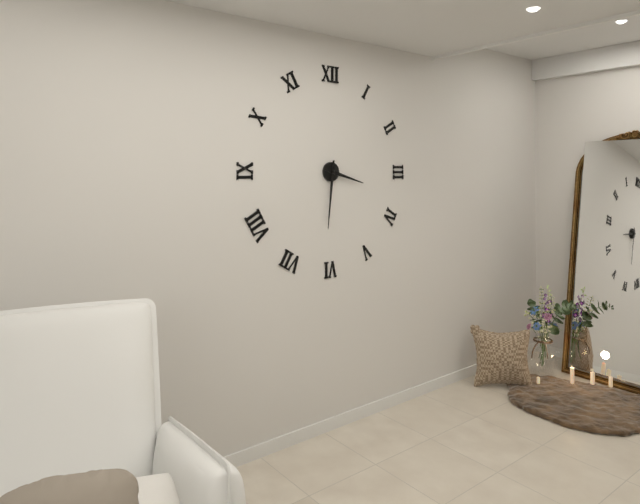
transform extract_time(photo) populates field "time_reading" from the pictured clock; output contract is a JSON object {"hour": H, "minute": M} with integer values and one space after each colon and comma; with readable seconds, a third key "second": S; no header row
{"hour": 3, "minute": 31}
